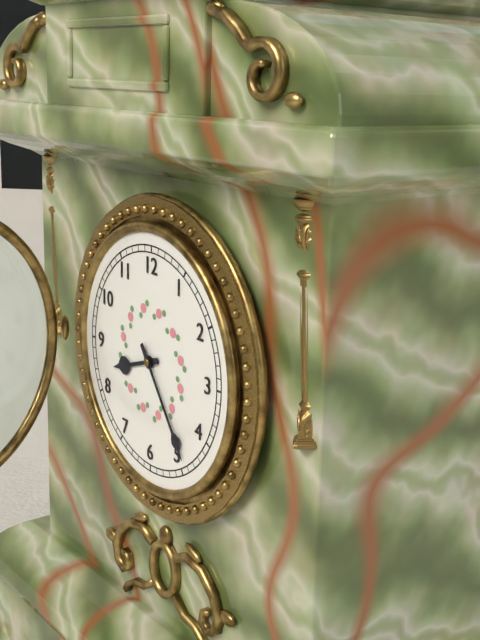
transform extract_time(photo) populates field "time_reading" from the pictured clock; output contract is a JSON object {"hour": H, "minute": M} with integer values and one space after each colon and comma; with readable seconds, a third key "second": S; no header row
{"hour": 8, "minute": 24}
